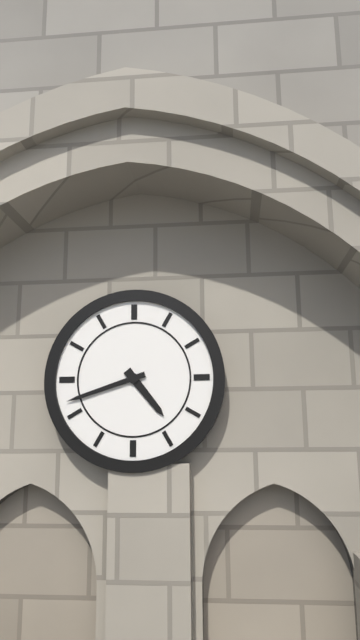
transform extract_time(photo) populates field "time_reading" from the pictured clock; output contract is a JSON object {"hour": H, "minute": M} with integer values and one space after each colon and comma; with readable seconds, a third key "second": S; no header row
{"hour": 4, "minute": 42}
